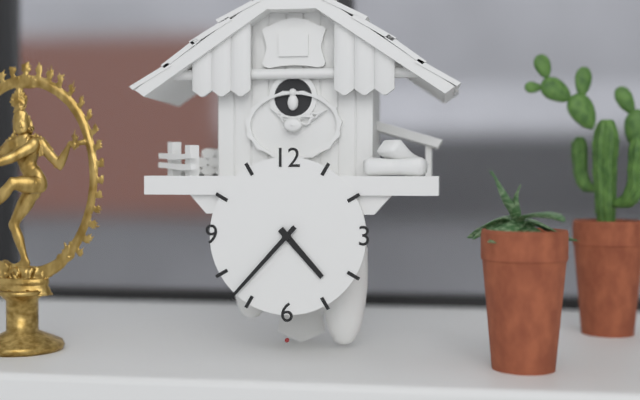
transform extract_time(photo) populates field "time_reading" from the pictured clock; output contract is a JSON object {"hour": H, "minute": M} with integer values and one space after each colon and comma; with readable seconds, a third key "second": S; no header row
{"hour": 4, "minute": 37}
